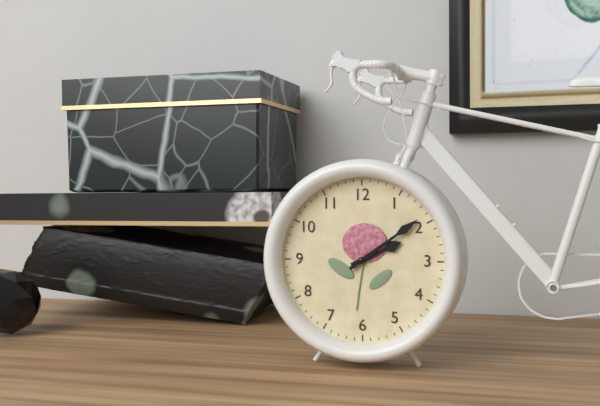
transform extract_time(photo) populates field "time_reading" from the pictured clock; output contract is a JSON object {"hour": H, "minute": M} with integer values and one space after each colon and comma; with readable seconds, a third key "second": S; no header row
{"hour": 2, "minute": 9}
